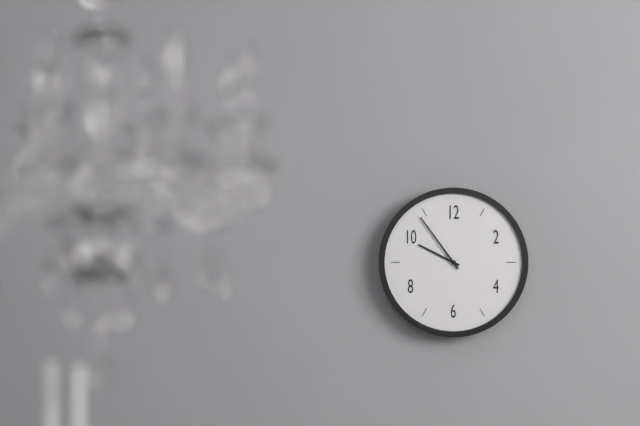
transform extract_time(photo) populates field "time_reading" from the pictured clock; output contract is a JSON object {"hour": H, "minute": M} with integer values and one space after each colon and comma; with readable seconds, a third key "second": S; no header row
{"hour": 9, "minute": 54}
